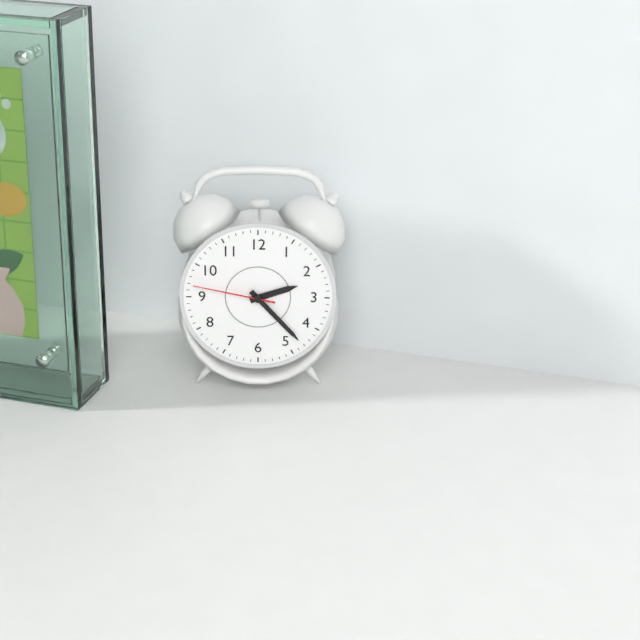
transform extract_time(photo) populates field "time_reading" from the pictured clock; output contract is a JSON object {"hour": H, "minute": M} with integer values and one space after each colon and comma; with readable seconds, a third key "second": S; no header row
{"hour": 2, "minute": 23, "second": 47}
